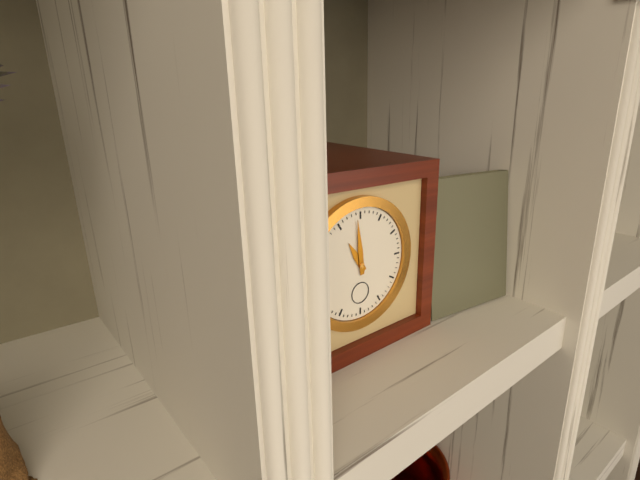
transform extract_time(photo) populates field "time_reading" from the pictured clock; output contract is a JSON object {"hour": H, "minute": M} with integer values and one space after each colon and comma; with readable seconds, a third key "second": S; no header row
{"hour": 10, "minute": 59}
